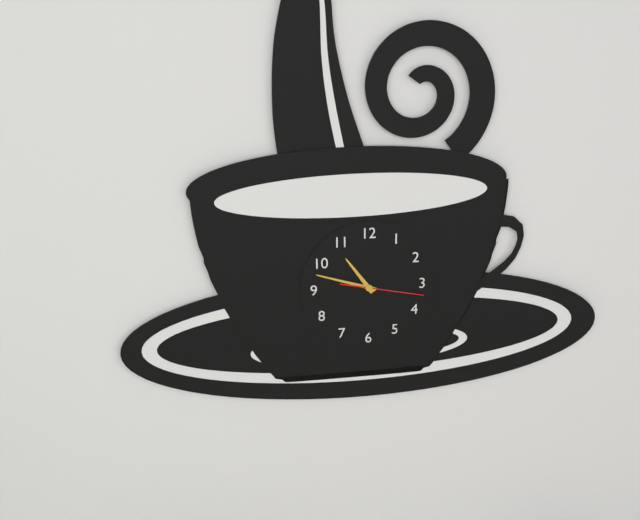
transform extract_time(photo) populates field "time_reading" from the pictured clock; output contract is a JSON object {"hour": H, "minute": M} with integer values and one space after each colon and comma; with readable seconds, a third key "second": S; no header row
{"hour": 10, "minute": 48, "second": 17}
